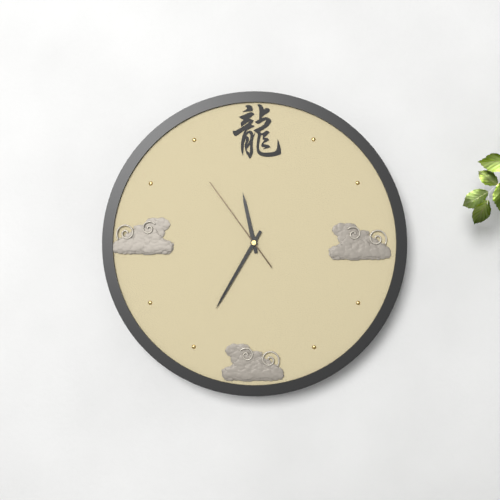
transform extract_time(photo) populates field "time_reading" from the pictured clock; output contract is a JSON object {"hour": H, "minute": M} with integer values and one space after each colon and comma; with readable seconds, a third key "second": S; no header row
{"hour": 11, "minute": 35, "second": 54}
